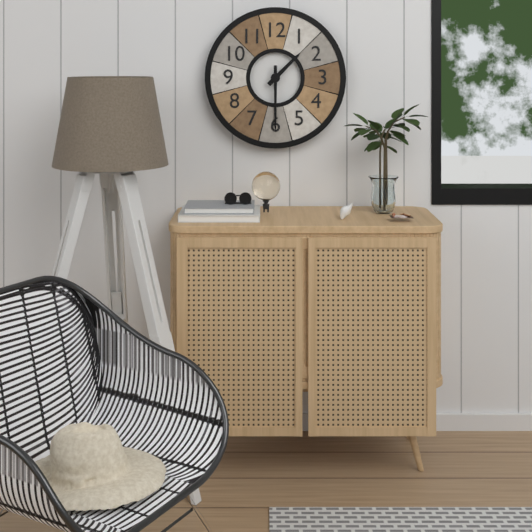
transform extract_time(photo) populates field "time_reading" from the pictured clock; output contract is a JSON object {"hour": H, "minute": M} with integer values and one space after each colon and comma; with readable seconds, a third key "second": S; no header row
{"hour": 1, "minute": 30}
